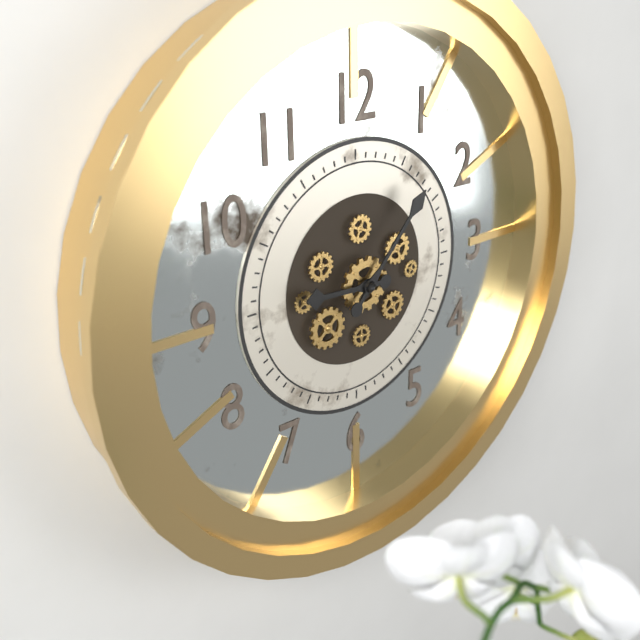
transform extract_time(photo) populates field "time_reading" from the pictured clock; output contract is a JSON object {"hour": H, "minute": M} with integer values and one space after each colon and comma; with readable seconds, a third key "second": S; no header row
{"hour": 9, "minute": 7}
